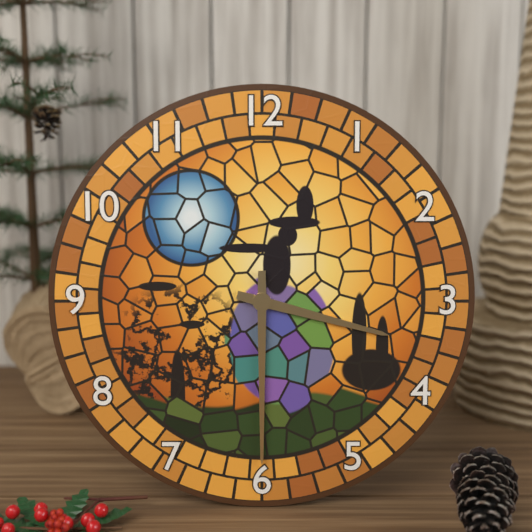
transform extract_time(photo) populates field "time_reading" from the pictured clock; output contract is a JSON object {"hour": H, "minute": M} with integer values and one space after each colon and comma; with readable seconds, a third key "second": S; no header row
{"hour": 3, "minute": 30}
